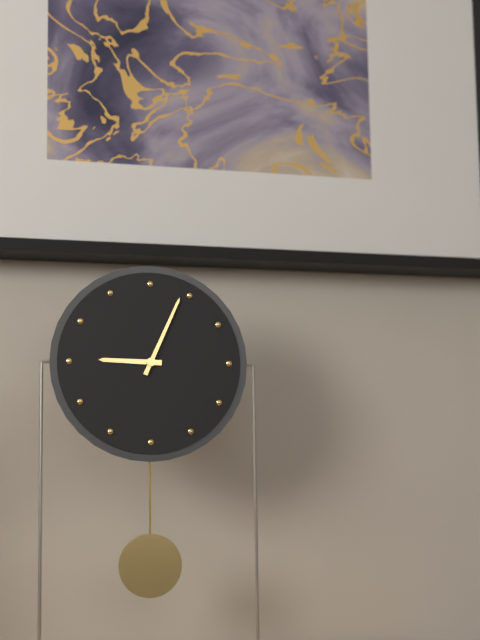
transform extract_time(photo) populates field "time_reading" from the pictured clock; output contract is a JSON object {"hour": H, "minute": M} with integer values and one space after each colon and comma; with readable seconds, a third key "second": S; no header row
{"hour": 9, "minute": 4}
